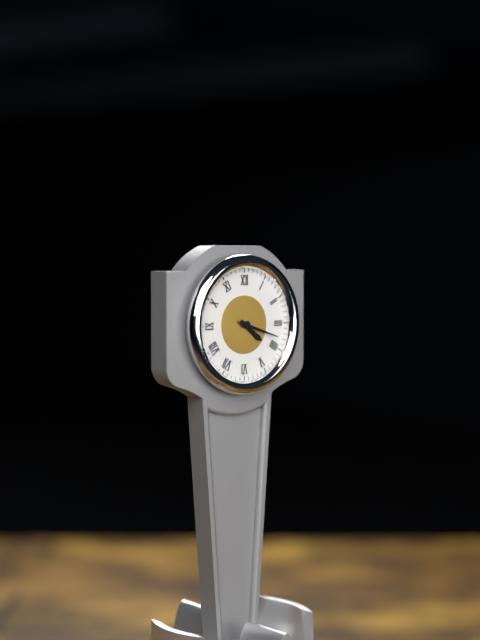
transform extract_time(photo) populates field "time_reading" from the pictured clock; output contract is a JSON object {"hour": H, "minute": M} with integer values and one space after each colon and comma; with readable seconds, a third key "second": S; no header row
{"hour": 4, "minute": 18}
